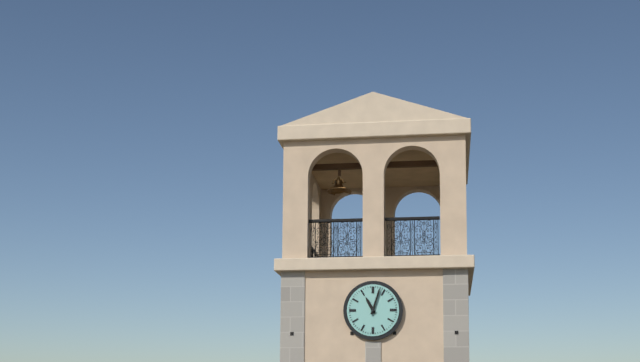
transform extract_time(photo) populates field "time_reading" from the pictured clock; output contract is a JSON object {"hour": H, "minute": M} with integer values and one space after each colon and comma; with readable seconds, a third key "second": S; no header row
{"hour": 11, "minute": 3}
